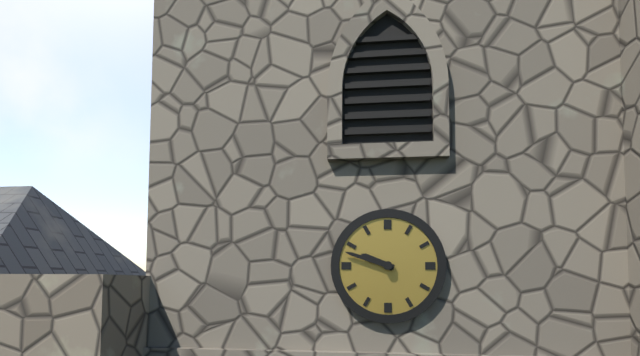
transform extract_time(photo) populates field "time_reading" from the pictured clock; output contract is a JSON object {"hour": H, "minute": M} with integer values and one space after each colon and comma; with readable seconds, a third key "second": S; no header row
{"hour": 9, "minute": 48}
